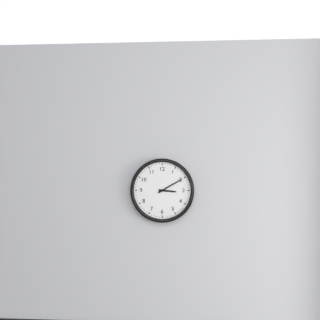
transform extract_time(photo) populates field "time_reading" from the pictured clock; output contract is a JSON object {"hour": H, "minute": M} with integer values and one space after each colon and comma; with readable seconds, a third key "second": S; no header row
{"hour": 3, "minute": 10}
